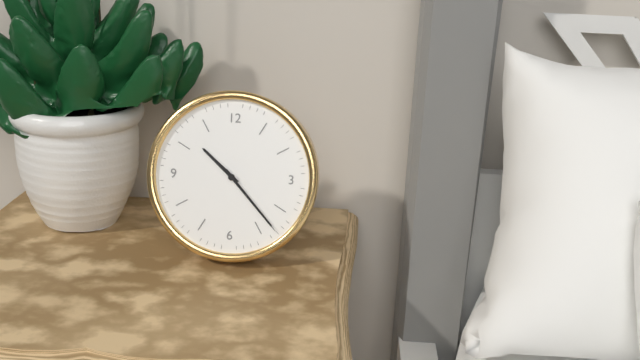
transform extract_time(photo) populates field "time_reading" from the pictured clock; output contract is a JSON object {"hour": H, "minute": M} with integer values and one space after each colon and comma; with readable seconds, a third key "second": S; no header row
{"hour": 10, "minute": 23, "second": 23}
